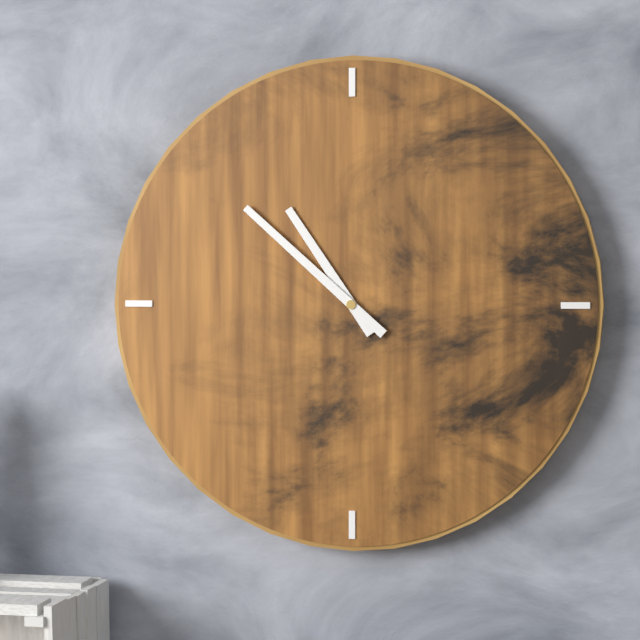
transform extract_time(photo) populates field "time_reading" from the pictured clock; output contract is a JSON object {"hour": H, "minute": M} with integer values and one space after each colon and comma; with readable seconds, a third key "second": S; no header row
{"hour": 10, "minute": 52}
